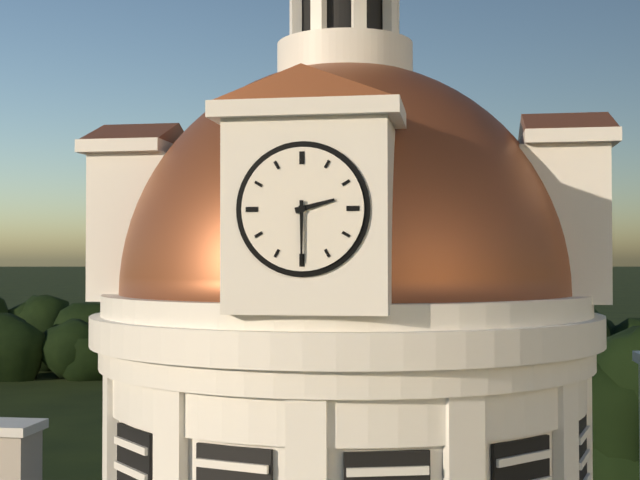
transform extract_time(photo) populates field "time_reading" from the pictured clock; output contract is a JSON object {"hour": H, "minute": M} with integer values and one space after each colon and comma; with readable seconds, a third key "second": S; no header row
{"hour": 2, "minute": 30}
